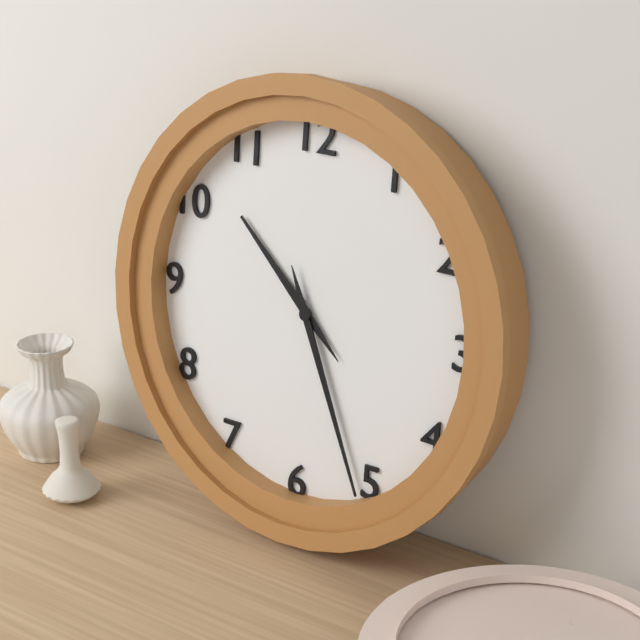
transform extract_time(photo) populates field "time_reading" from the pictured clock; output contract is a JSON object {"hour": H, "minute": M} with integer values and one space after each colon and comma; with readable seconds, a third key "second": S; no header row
{"hour": 10, "minute": 26}
